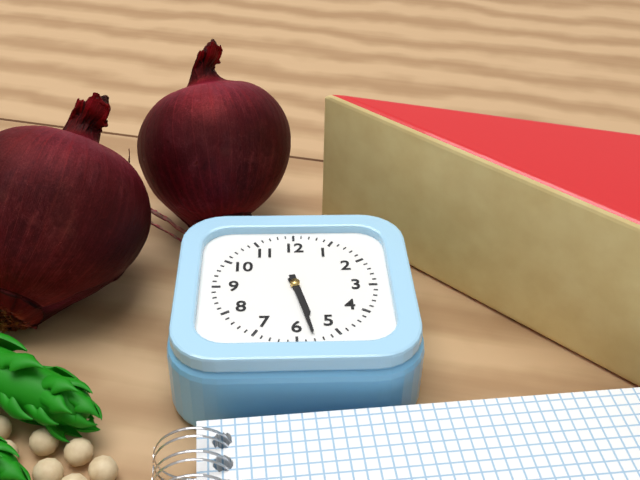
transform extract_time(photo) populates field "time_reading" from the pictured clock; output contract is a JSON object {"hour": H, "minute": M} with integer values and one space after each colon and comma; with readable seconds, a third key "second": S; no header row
{"hour": 5, "minute": 28}
